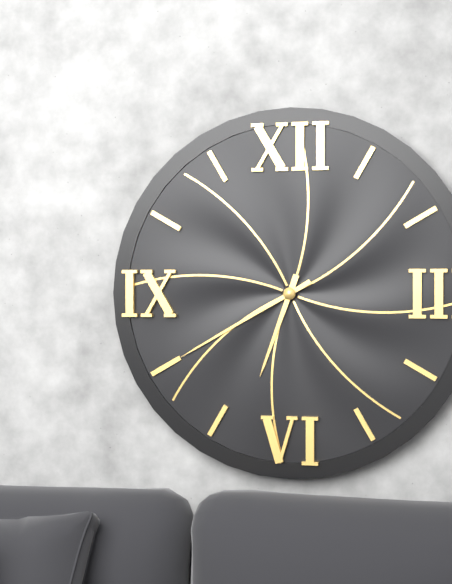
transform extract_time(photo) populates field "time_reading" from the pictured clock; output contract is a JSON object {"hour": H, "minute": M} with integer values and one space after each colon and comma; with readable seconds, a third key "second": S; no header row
{"hour": 6, "minute": 40}
